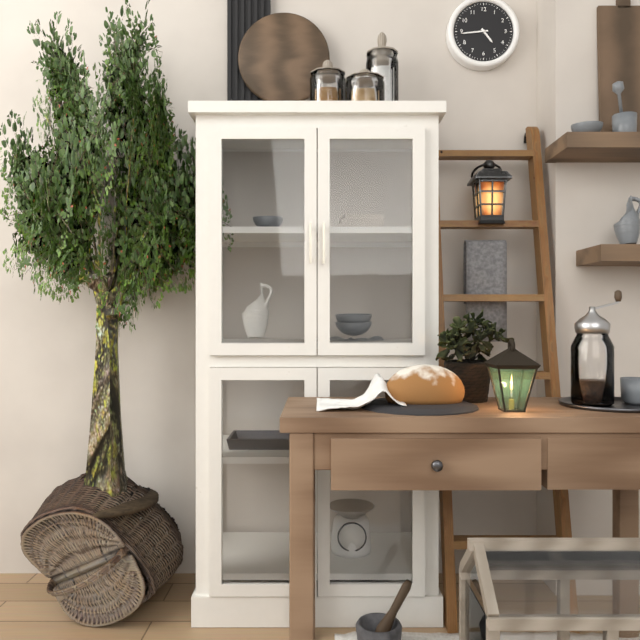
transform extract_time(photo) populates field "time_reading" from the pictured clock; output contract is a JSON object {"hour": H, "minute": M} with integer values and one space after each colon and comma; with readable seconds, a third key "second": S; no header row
{"hour": 4, "minute": 44}
